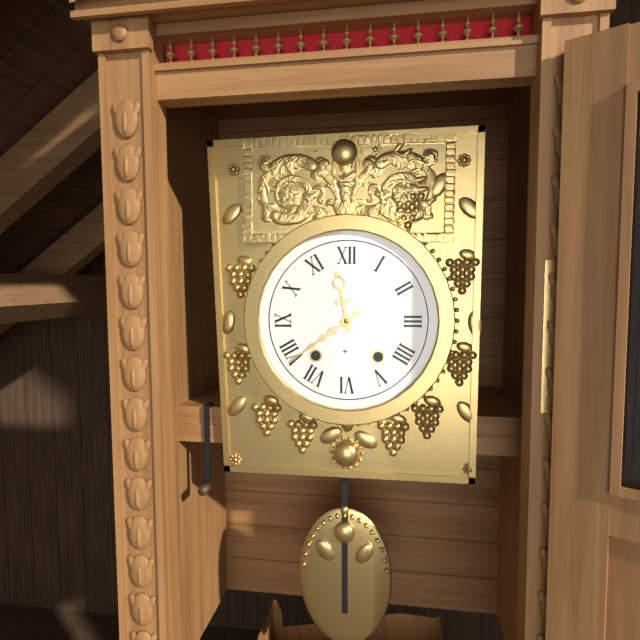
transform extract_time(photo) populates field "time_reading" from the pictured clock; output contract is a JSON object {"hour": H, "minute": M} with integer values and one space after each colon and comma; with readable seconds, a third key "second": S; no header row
{"hour": 11, "minute": 39}
